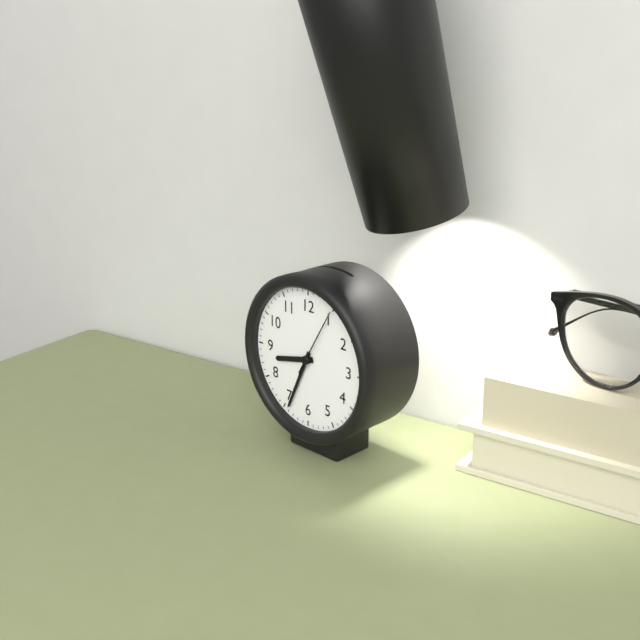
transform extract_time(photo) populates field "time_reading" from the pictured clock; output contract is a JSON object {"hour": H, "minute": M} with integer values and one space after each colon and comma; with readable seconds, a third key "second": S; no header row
{"hour": 8, "minute": 34, "second": 5}
